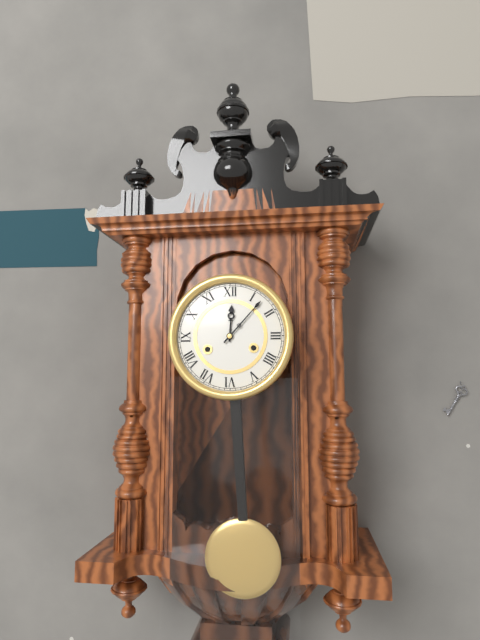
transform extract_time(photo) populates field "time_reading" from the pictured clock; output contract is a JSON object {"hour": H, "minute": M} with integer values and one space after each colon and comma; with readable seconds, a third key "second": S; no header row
{"hour": 12, "minute": 7}
